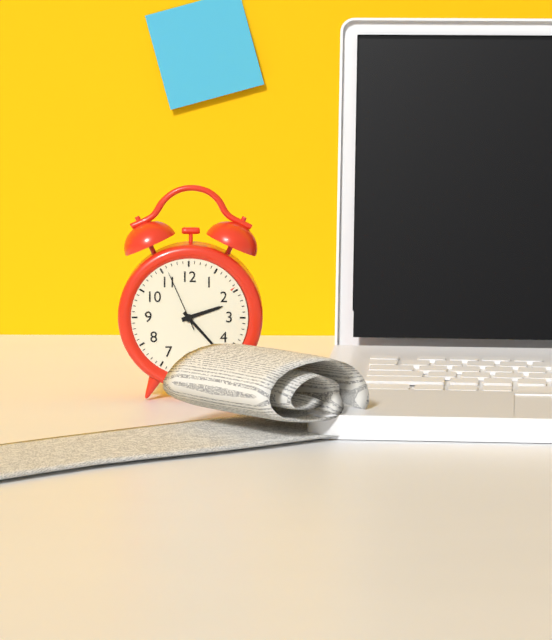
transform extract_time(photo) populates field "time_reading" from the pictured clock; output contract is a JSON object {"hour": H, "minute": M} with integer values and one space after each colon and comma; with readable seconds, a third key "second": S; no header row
{"hour": 2, "minute": 23, "second": 56}
